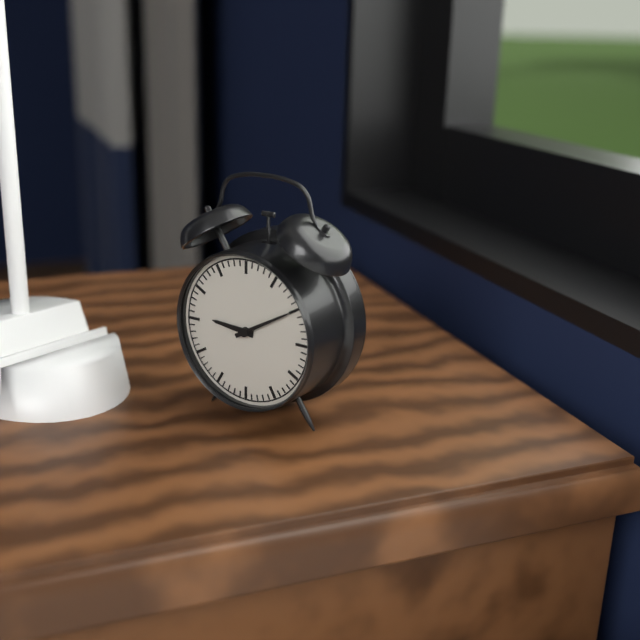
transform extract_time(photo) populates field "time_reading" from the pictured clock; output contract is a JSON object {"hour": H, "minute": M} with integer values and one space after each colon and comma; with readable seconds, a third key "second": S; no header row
{"hour": 9, "minute": 10}
